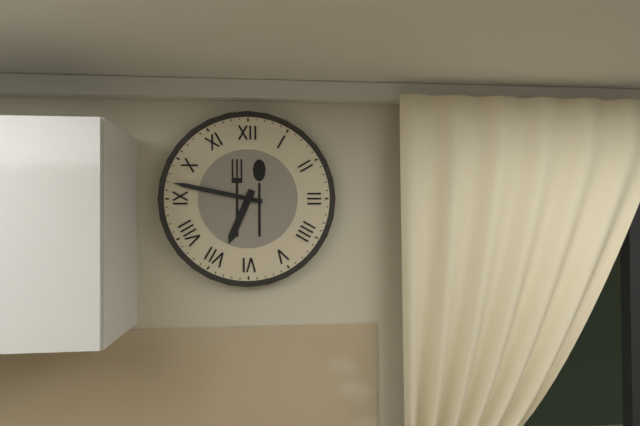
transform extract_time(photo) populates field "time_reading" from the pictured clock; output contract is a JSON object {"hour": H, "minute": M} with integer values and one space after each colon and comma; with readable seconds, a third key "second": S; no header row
{"hour": 6, "minute": 47}
